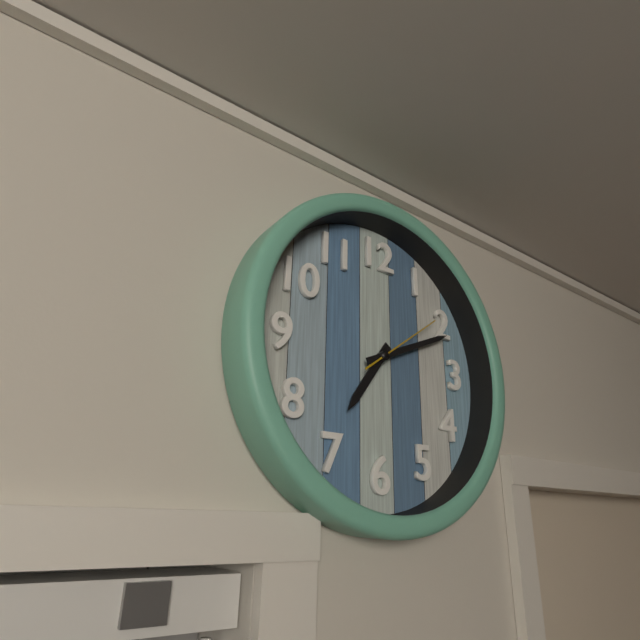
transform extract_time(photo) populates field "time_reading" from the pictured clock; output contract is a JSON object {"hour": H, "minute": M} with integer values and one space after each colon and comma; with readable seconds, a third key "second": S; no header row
{"hour": 7, "minute": 11, "second": 9}
